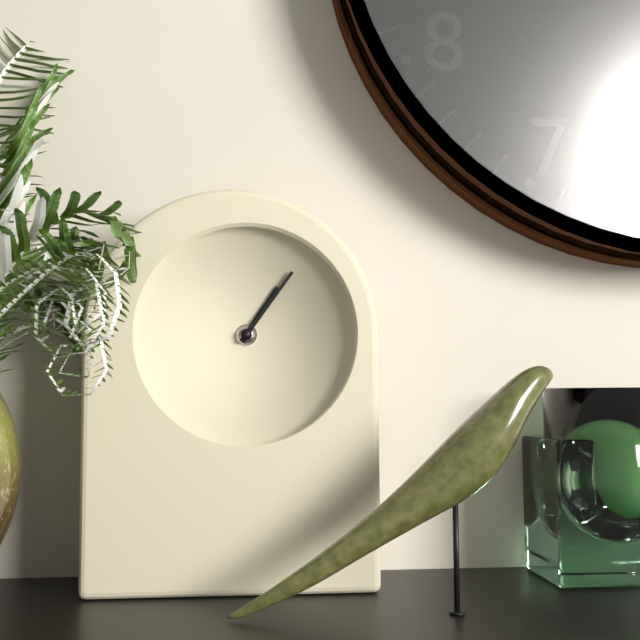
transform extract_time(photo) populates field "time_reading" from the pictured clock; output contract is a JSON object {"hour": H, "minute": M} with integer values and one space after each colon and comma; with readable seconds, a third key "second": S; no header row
{"hour": 1, "minute": 6}
